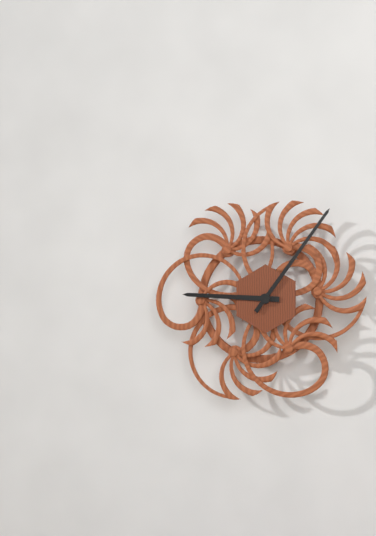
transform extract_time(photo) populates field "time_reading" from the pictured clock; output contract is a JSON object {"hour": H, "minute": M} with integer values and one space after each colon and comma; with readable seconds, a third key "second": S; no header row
{"hour": 9, "minute": 6}
